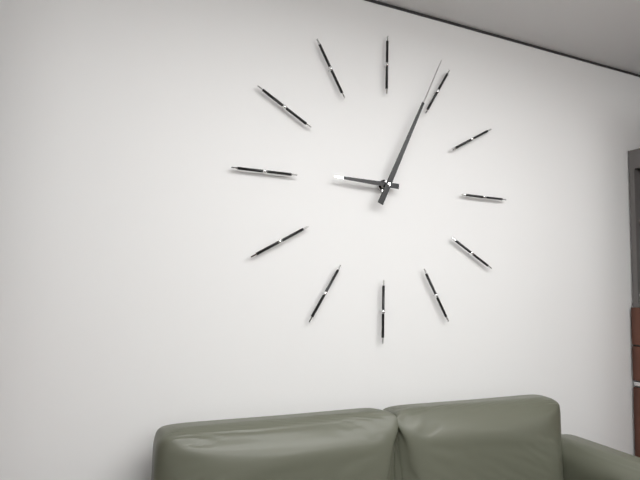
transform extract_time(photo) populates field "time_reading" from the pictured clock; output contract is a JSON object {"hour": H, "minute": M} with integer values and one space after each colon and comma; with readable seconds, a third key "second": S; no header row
{"hour": 9, "minute": 4}
